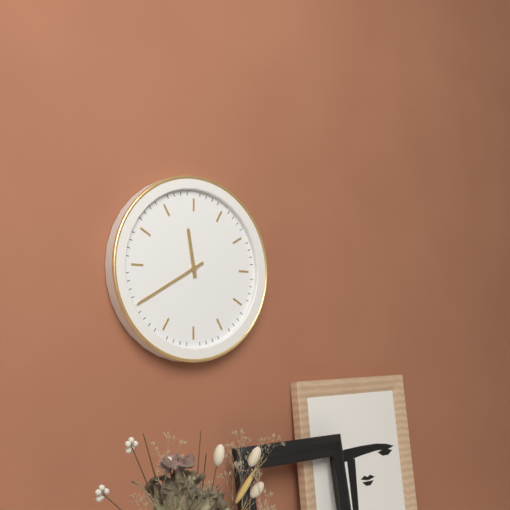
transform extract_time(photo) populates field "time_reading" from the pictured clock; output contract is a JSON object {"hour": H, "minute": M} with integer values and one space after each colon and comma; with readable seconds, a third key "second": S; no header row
{"hour": 11, "minute": 40}
